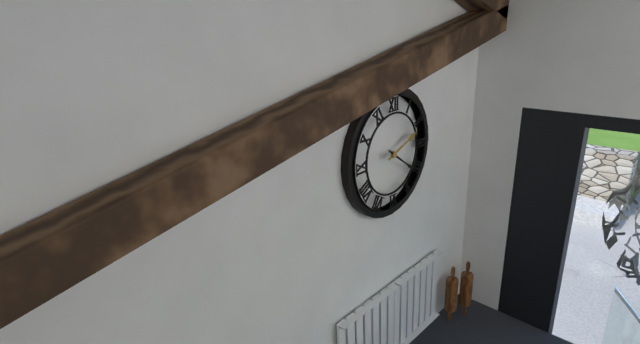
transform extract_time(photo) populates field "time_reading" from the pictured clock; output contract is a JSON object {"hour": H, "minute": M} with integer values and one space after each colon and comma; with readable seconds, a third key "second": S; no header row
{"hour": 2, "minute": 21}
